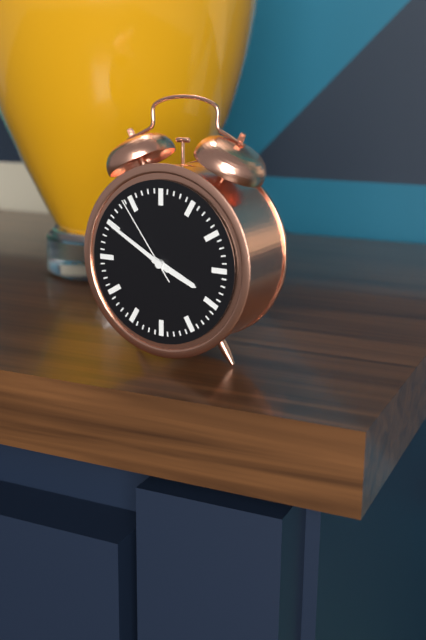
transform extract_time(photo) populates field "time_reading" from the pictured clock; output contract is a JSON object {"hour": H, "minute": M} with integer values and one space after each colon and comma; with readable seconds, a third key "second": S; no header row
{"hour": 3, "minute": 50, "second": 54}
